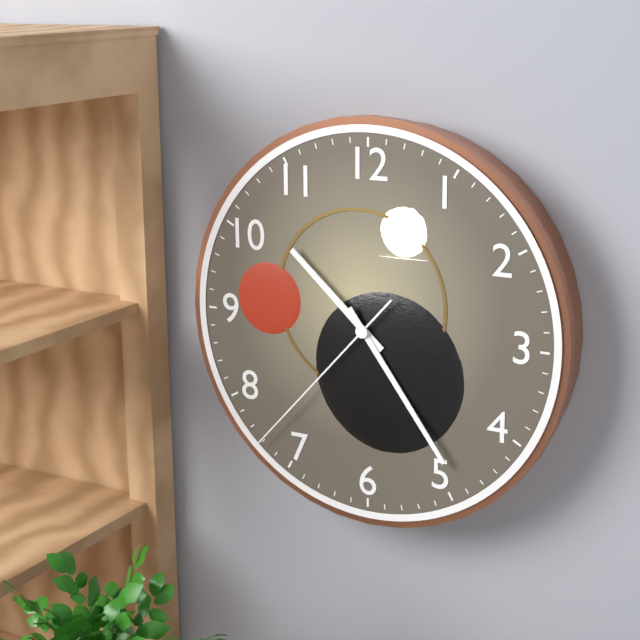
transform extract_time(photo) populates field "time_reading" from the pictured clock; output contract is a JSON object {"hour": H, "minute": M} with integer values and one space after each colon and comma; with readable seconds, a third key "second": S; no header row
{"hour": 10, "minute": 24, "second": 37}
